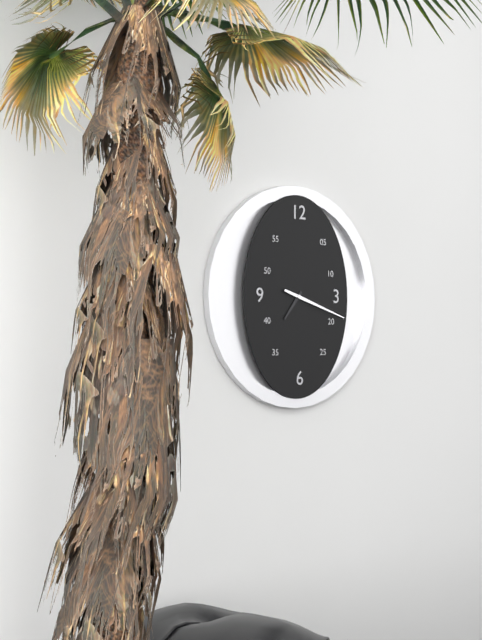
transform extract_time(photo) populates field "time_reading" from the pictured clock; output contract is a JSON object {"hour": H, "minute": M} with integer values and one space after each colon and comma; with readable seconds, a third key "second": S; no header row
{"hour": 7, "minute": 18}
